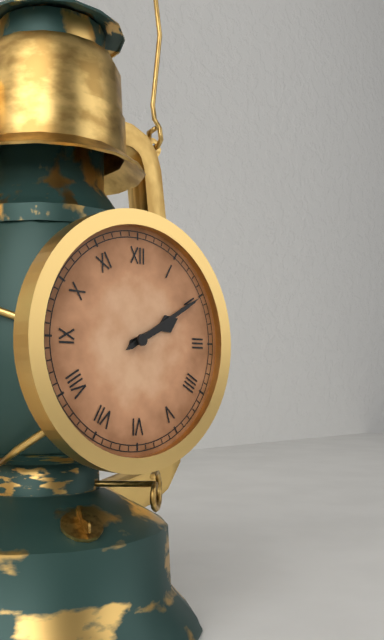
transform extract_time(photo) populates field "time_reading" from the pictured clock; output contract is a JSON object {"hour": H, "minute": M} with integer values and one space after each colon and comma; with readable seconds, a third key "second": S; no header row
{"hour": 2, "minute": 10}
